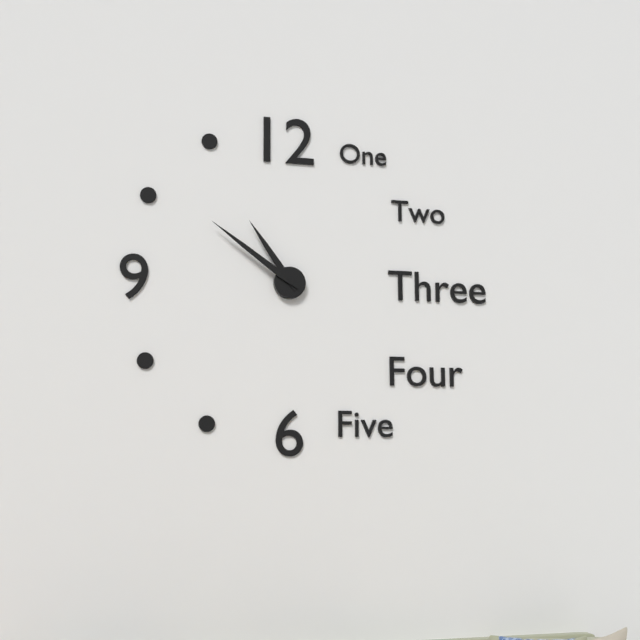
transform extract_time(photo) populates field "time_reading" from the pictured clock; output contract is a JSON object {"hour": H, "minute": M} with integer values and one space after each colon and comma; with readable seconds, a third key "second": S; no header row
{"hour": 10, "minute": 51}
